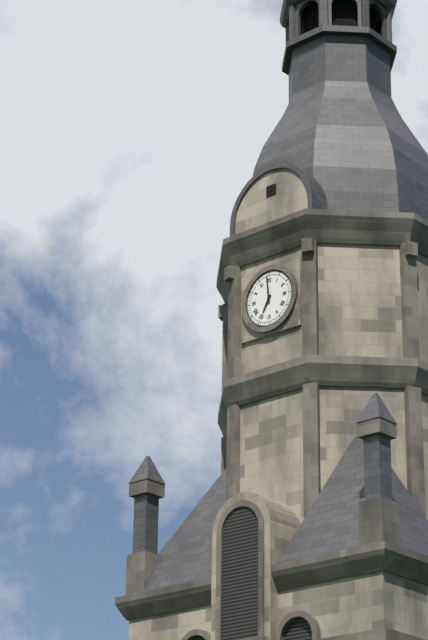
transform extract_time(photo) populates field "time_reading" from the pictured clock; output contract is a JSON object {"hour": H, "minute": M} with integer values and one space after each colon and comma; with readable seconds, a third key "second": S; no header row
{"hour": 6, "minute": 59}
